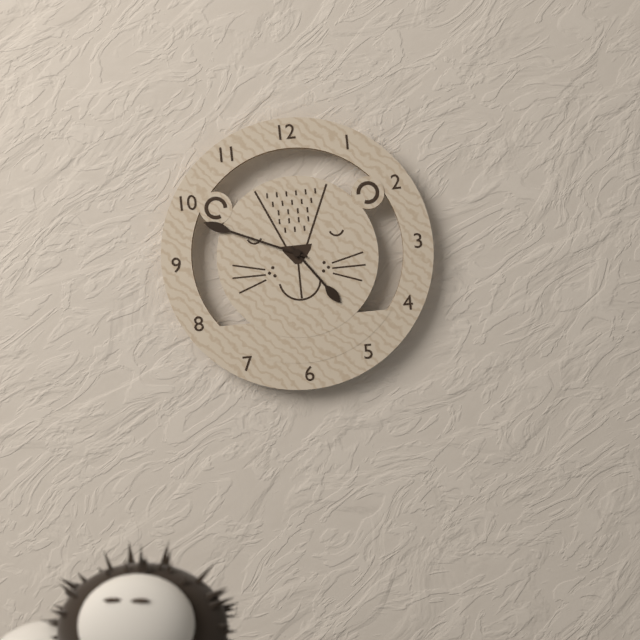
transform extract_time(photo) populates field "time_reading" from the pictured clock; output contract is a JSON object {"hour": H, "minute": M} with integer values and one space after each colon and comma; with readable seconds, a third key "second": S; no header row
{"hour": 4, "minute": 49}
